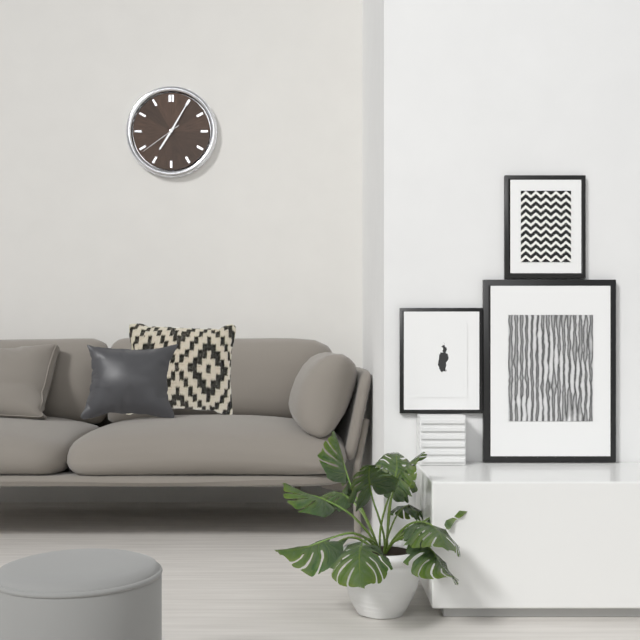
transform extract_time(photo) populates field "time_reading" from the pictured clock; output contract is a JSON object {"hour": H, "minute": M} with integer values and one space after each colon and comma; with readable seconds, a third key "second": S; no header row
{"hour": 7, "minute": 5}
